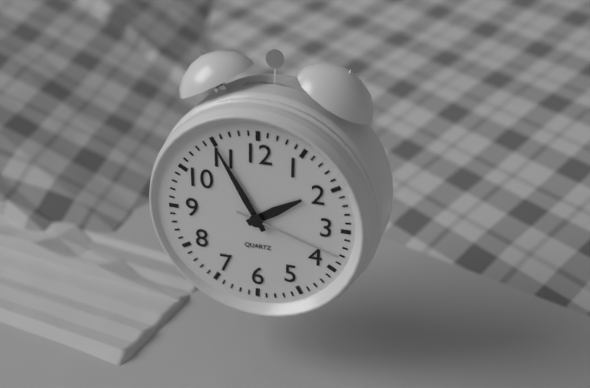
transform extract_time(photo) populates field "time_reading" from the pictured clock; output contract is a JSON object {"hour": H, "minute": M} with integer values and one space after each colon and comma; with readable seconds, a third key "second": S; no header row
{"hour": 1, "minute": 55, "second": 18}
